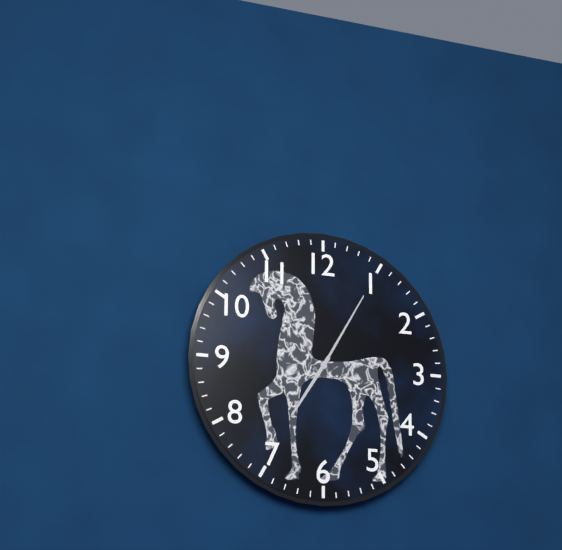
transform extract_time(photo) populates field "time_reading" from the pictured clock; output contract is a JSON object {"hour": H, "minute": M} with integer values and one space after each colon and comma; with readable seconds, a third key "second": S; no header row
{"hour": 7, "minute": 5}
